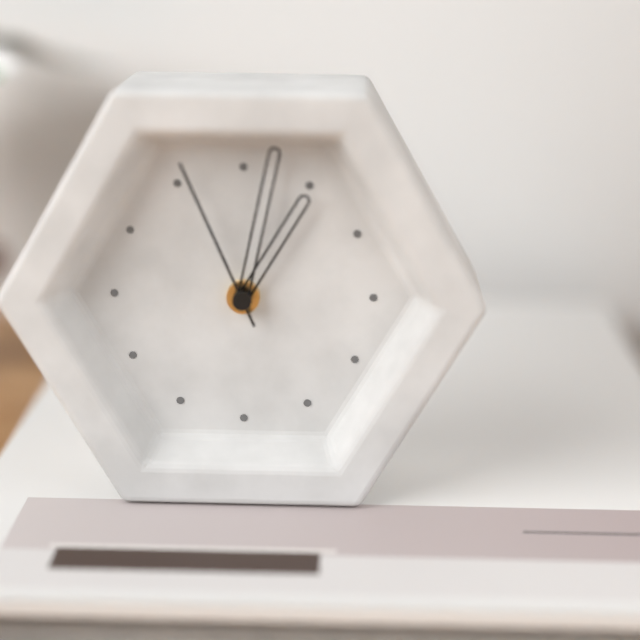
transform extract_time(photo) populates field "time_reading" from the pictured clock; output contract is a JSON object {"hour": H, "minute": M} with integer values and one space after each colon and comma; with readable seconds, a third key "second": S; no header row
{"hour": 1, "minute": 2, "second": 56}
